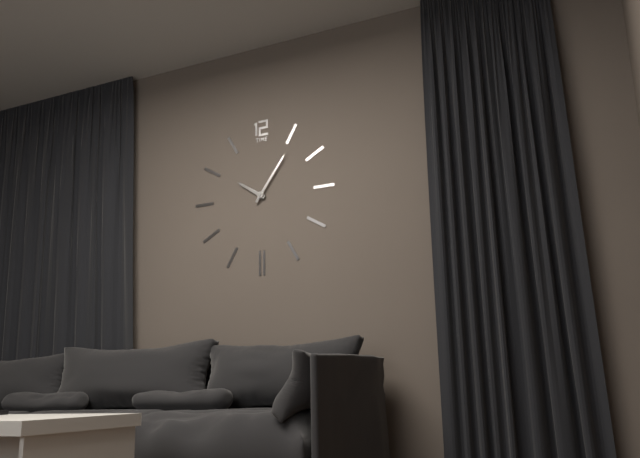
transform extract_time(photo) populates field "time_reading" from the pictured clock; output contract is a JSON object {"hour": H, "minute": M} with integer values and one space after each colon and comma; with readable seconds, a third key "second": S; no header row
{"hour": 10, "minute": 6}
